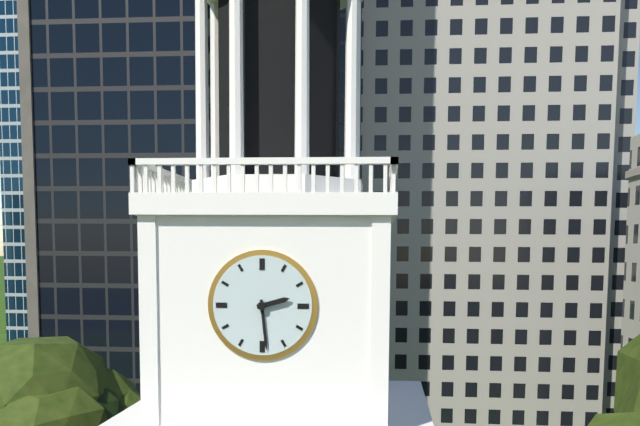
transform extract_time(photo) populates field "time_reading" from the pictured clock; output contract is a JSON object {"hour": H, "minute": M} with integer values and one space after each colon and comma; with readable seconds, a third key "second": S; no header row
{"hour": 2, "minute": 29}
